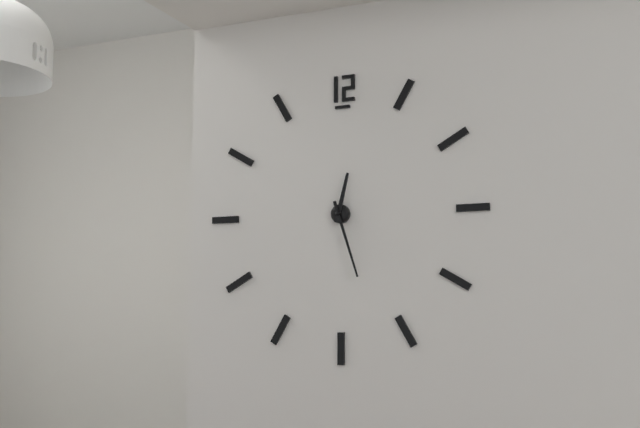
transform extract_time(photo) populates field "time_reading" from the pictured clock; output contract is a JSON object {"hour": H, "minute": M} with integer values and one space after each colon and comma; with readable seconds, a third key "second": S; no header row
{"hour": 12, "minute": 27}
